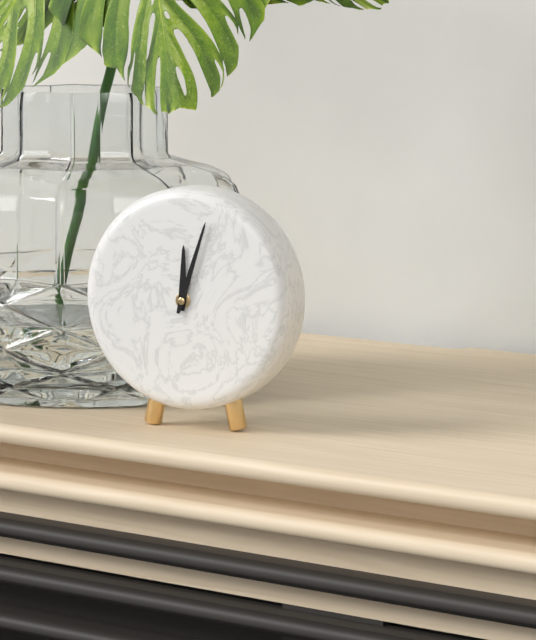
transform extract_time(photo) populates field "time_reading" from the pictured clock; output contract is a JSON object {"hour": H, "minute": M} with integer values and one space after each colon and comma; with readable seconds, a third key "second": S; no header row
{"hour": 12, "minute": 3}
